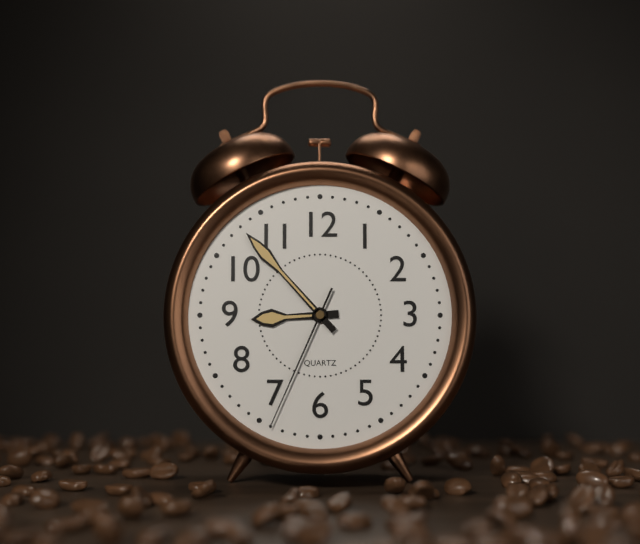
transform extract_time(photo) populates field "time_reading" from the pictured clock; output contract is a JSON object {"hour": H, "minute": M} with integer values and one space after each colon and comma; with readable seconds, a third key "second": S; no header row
{"hour": 8, "minute": 53, "second": 34}
